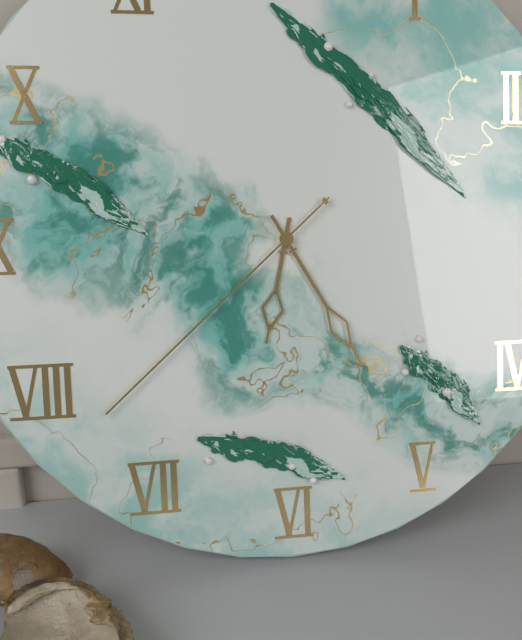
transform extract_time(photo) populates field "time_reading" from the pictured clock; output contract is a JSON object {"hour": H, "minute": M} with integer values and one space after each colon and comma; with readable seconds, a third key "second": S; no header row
{"hour": 6, "minute": 25, "second": 38}
